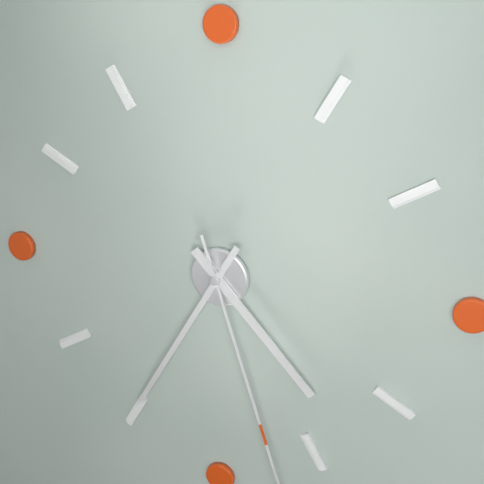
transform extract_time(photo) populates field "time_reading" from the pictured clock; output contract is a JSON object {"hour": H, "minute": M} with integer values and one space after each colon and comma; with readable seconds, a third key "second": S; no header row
{"hour": 4, "minute": 35}
